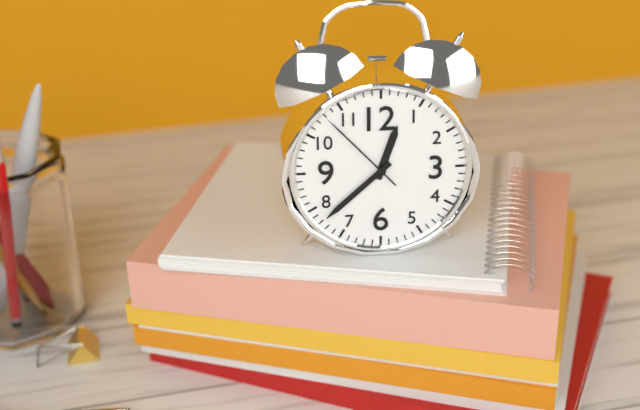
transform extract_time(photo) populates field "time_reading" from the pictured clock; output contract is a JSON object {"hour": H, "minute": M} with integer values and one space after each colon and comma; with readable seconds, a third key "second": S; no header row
{"hour": 12, "minute": 38, "second": 53}
